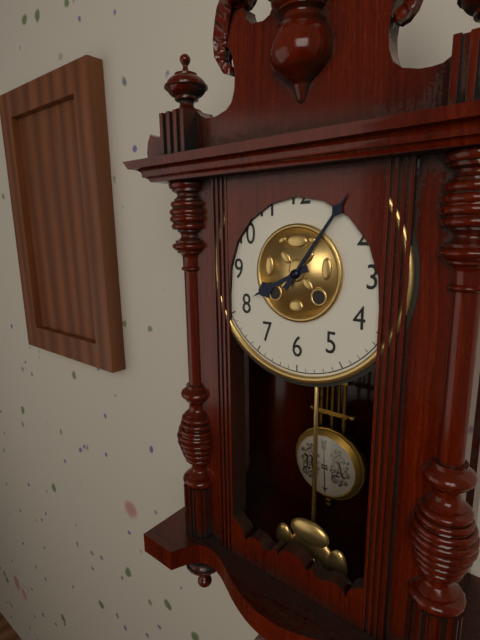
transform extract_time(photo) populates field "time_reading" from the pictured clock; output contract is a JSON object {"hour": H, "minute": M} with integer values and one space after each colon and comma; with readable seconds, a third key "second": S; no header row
{"hour": 8, "minute": 6}
